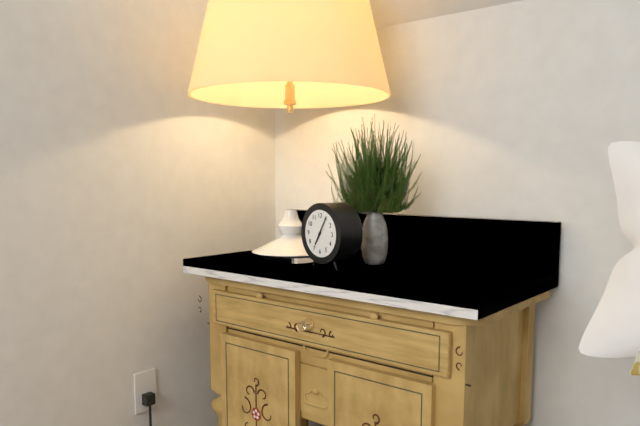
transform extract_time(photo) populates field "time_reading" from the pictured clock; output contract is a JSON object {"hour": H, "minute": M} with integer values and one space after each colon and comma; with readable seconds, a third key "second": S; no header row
{"hour": 7, "minute": 5}
